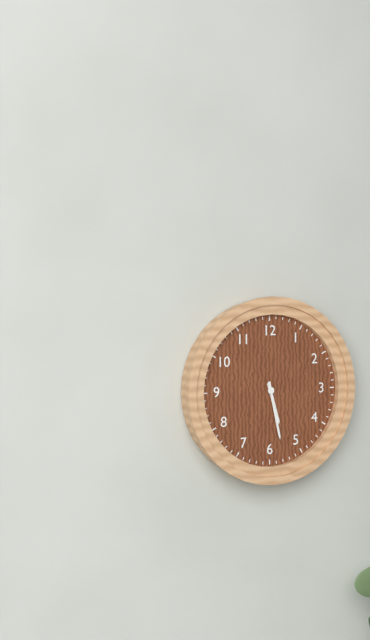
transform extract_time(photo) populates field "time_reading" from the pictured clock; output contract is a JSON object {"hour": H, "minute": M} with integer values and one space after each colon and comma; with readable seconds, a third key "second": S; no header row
{"hour": 5, "minute": 28}
